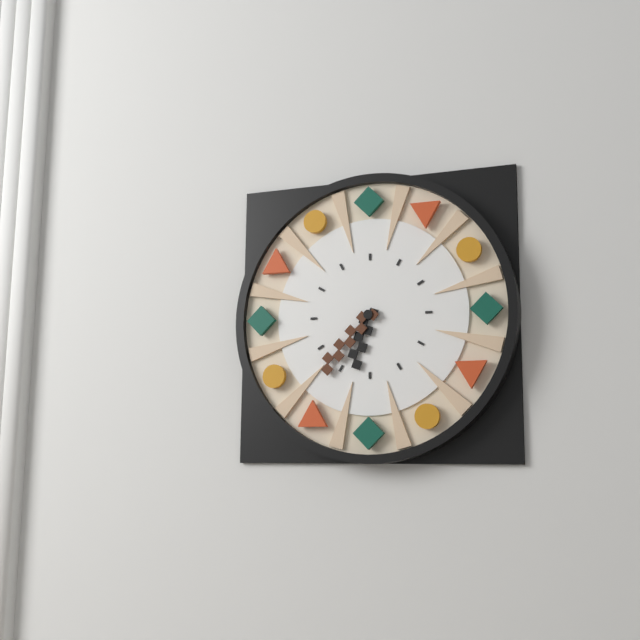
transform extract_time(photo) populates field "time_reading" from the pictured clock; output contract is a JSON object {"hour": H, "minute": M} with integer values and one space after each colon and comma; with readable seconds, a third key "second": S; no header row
{"hour": 6, "minute": 37}
